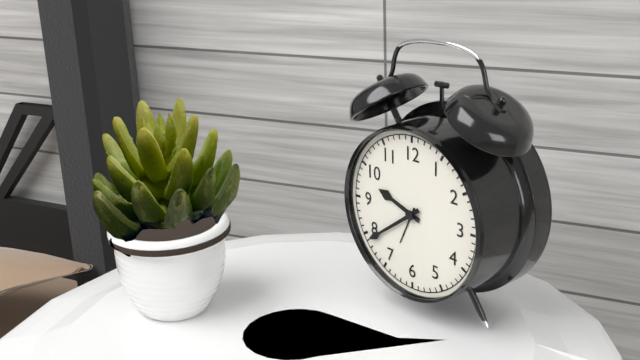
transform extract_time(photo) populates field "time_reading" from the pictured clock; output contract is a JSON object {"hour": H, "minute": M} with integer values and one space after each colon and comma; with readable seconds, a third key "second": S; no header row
{"hour": 9, "minute": 39}
